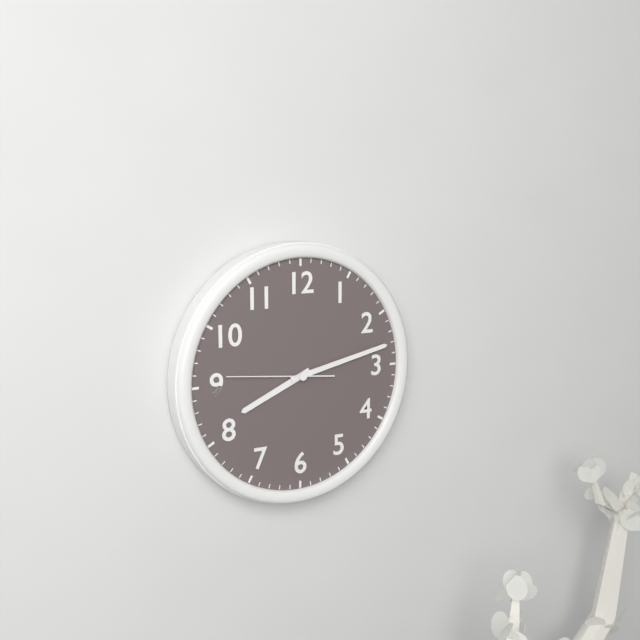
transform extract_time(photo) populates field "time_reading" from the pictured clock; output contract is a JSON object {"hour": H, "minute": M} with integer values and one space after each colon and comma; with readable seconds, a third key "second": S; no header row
{"hour": 8, "minute": 13, "second": 46}
